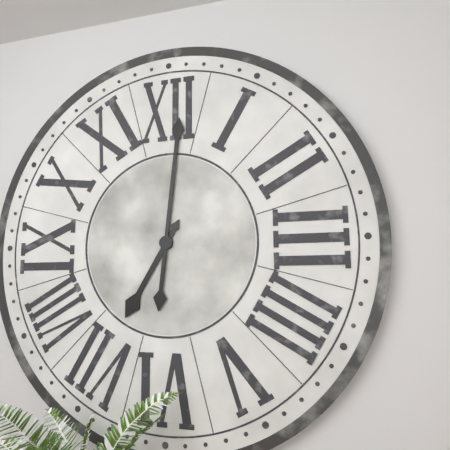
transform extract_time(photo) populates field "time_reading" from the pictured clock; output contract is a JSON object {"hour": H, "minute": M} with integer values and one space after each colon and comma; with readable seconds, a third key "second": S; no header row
{"hour": 7, "minute": 1}
